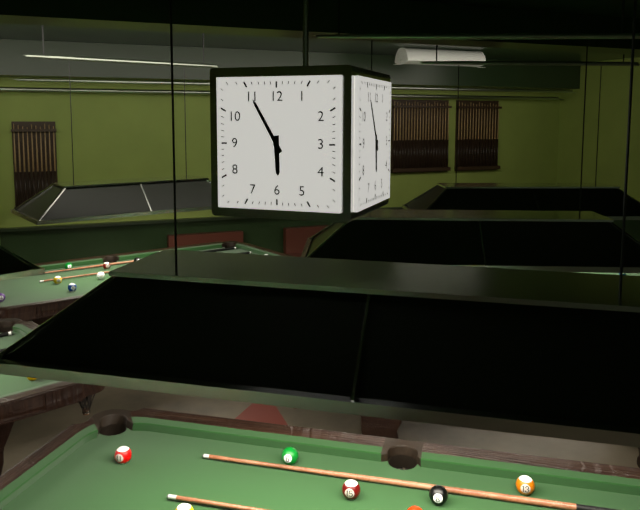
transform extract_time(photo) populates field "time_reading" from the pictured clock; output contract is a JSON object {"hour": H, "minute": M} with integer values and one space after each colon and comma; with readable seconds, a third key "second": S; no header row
{"hour": 5, "minute": 55}
